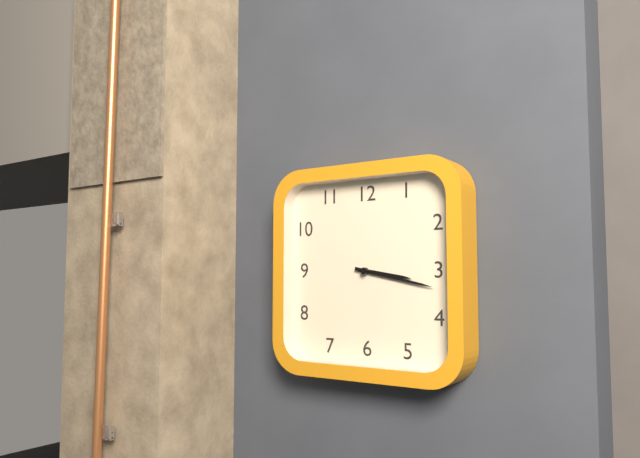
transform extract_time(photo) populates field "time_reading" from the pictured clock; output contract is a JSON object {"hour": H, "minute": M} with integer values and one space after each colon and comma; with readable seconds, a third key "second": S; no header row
{"hour": 3, "minute": 17}
